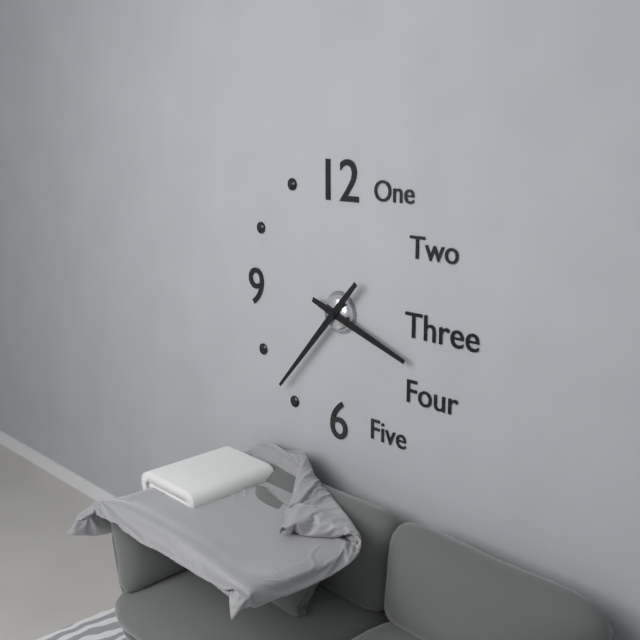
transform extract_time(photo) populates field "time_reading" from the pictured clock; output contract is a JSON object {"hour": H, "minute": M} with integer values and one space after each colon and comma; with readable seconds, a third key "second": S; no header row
{"hour": 3, "minute": 37}
